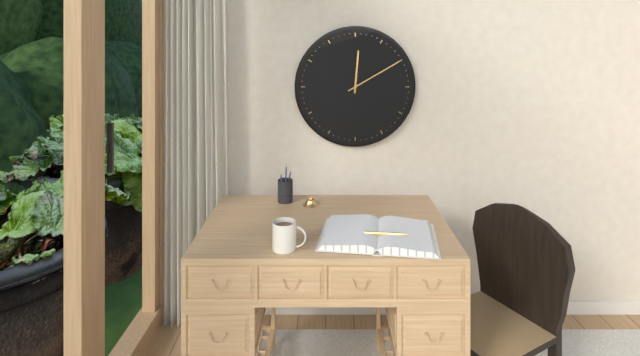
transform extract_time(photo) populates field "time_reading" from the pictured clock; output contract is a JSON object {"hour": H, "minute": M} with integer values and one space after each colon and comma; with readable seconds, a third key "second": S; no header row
{"hour": 12, "minute": 10}
